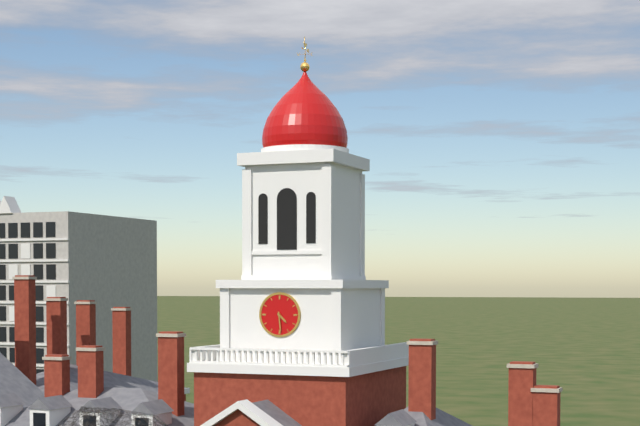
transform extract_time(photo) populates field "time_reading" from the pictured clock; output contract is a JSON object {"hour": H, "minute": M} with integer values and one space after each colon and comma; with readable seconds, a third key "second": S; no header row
{"hour": 4, "minute": 29}
